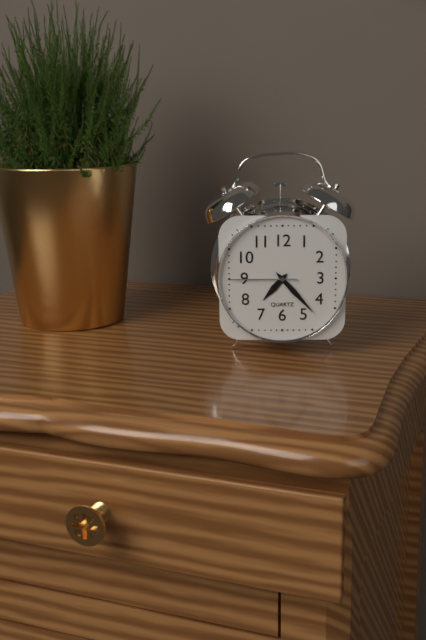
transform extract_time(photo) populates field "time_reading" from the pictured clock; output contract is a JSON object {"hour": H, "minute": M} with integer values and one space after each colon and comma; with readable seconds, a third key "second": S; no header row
{"hour": 7, "minute": 23, "second": 45}
